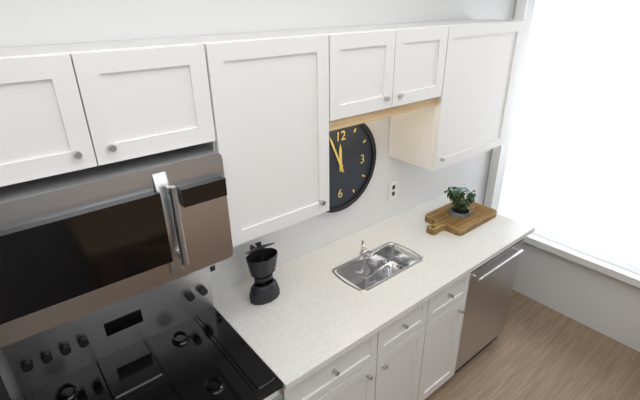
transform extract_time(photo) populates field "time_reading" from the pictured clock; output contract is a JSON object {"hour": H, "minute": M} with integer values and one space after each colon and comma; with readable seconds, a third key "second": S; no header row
{"hour": 11, "minute": 56}
